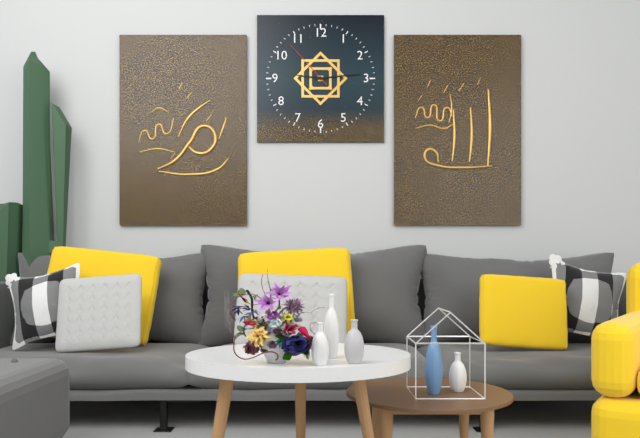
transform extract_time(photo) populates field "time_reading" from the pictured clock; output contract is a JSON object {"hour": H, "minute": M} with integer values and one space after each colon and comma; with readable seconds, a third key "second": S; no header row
{"hour": 9, "minute": 14, "second": 53}
